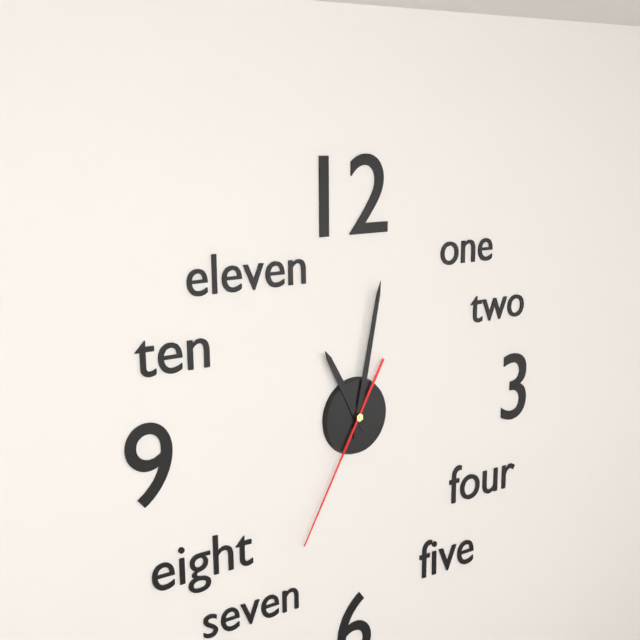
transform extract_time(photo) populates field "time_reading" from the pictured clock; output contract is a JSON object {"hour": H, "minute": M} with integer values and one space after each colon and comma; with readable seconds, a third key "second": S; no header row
{"hour": 11, "minute": 2, "second": 35}
